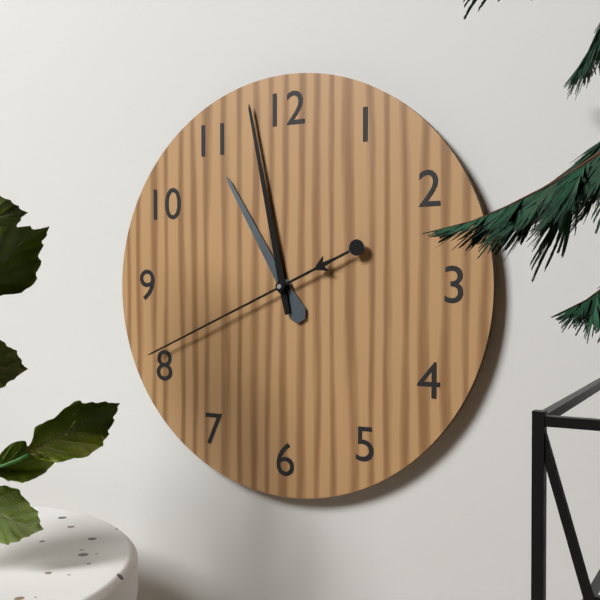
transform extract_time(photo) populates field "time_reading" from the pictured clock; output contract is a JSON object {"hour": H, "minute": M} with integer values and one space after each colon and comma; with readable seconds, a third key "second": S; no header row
{"hour": 10, "minute": 58, "second": 41}
